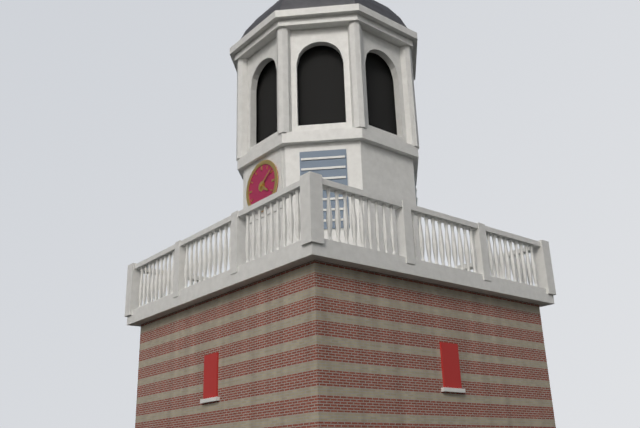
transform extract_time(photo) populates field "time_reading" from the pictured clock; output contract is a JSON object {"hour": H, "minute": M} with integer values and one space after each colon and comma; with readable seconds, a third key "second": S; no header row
{"hour": 4, "minute": 9}
